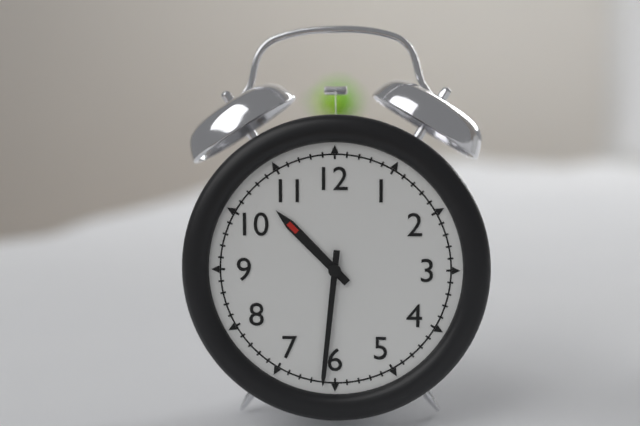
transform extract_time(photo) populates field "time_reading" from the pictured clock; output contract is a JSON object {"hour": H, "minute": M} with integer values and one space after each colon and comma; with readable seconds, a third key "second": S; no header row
{"hour": 10, "minute": 31}
